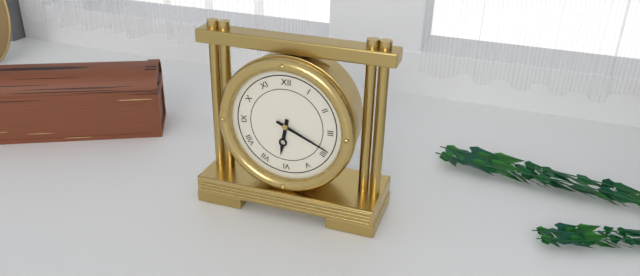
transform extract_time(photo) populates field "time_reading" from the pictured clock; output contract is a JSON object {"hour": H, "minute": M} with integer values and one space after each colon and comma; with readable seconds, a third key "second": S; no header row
{"hour": 6, "minute": 19}
